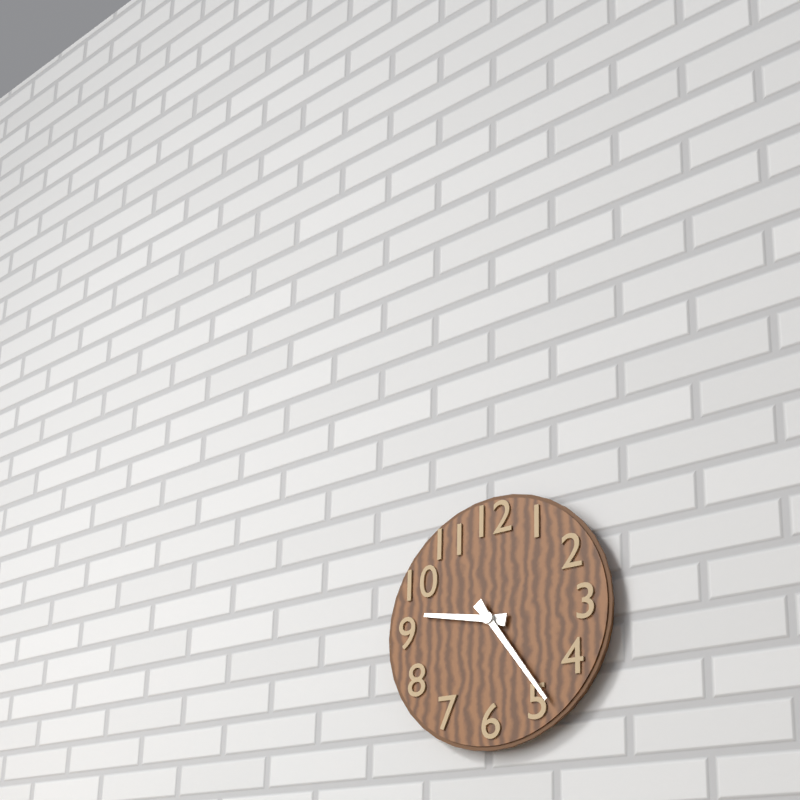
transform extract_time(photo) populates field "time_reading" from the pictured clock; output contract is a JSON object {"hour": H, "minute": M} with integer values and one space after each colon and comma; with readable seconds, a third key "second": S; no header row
{"hour": 9, "minute": 24}
